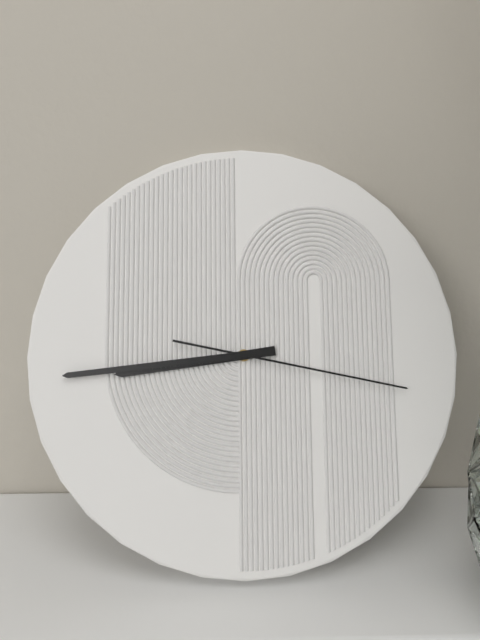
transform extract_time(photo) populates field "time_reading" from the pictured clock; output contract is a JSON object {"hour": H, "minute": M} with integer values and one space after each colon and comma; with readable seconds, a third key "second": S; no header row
{"hour": 8, "minute": 44, "second": 17}
